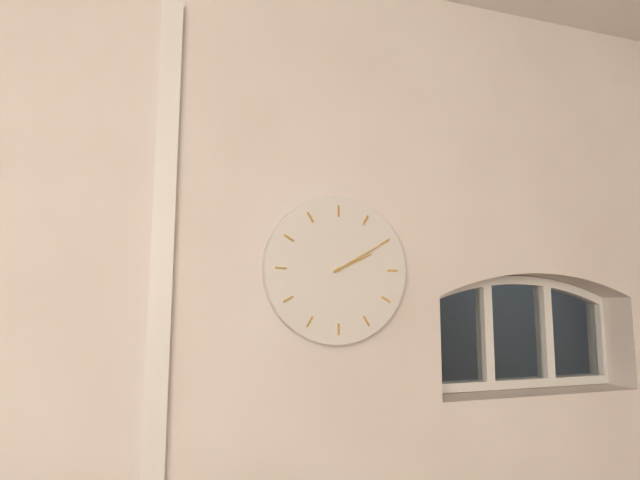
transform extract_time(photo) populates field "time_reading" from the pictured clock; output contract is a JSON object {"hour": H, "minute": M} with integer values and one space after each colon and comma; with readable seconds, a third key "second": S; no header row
{"hour": 2, "minute": 10}
